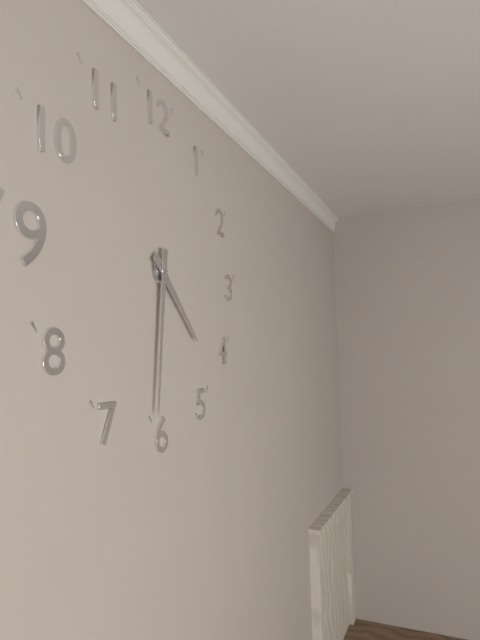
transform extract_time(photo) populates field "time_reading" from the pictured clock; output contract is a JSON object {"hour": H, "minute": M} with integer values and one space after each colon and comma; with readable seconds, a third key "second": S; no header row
{"hour": 4, "minute": 31}
